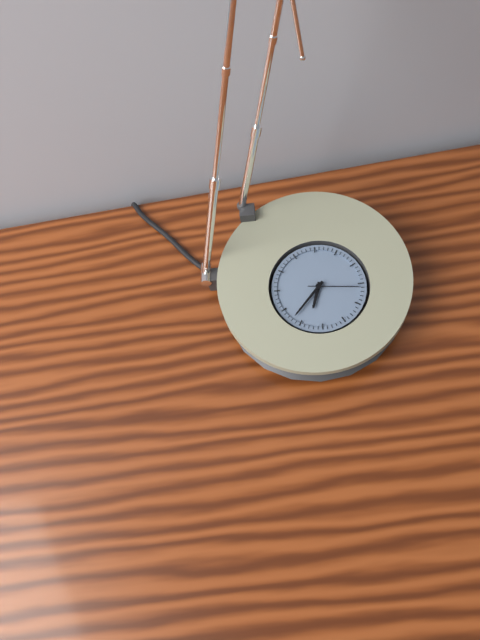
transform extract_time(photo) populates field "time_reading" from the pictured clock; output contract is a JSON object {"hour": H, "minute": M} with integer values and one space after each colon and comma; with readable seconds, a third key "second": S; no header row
{"hour": 6, "minute": 37, "second": 16}
